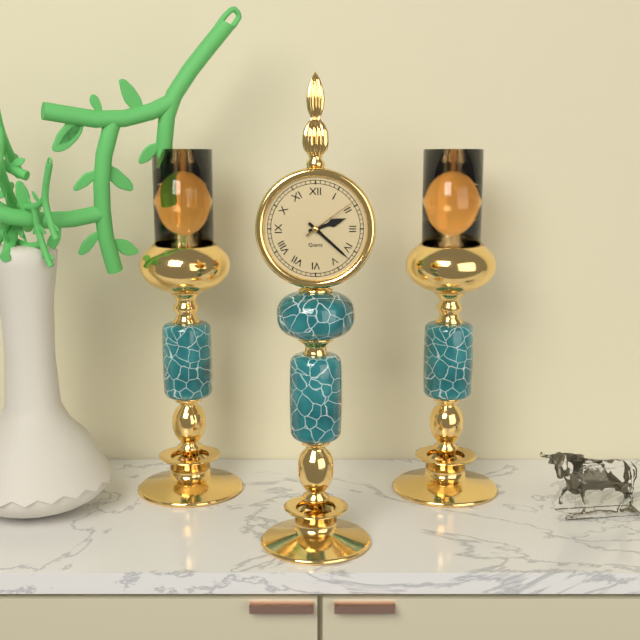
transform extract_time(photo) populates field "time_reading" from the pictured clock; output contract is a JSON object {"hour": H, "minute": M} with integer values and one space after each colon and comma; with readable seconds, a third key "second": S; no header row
{"hour": 2, "minute": 22, "second": 9}
